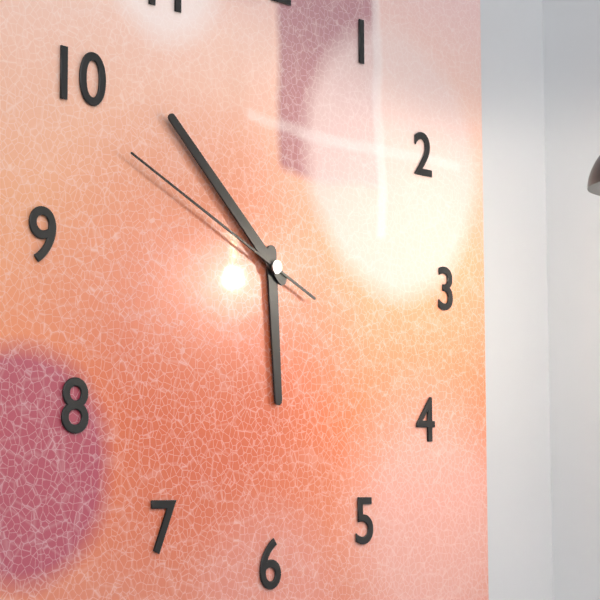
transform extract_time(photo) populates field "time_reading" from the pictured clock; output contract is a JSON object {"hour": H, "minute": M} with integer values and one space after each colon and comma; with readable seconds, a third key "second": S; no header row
{"hour": 5, "minute": 52, "second": 49}
